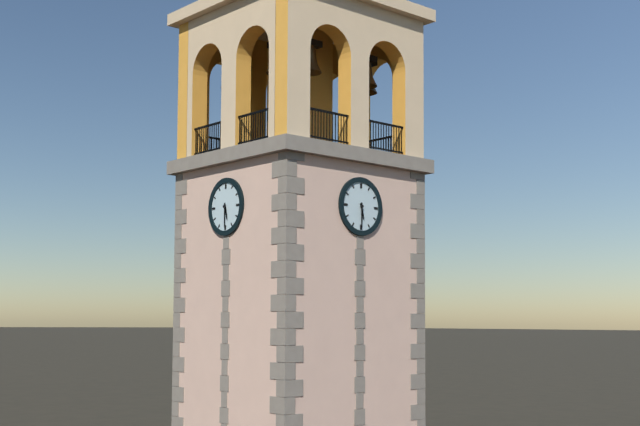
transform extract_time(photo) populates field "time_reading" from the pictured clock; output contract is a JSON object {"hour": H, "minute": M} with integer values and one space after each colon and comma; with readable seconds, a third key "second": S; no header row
{"hour": 5, "minute": 30}
